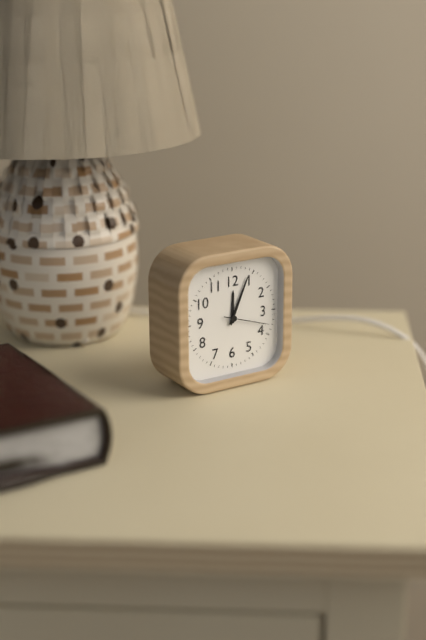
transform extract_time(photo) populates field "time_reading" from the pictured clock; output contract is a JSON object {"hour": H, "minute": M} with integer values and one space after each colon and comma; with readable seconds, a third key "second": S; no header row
{"hour": 12, "minute": 4}
